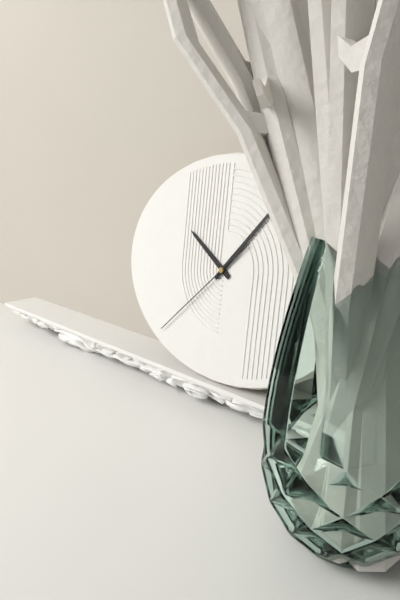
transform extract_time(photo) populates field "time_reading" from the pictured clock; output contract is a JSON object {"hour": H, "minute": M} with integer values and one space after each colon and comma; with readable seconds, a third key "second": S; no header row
{"hour": 10, "minute": 7, "second": 38}
